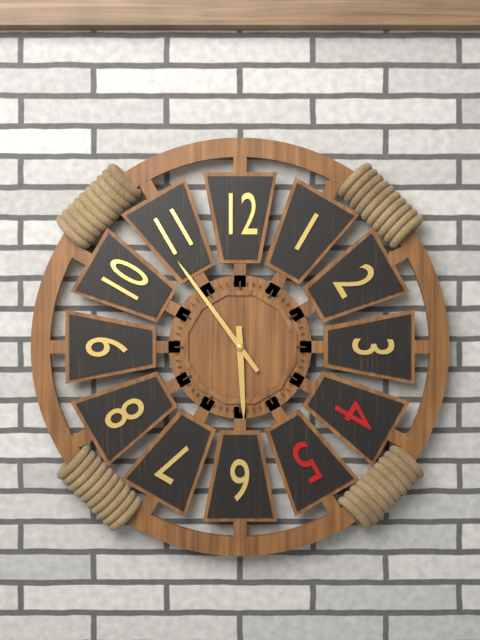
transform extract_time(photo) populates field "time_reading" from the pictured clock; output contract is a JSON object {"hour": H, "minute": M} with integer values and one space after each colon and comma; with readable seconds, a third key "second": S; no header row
{"hour": 5, "minute": 54}
